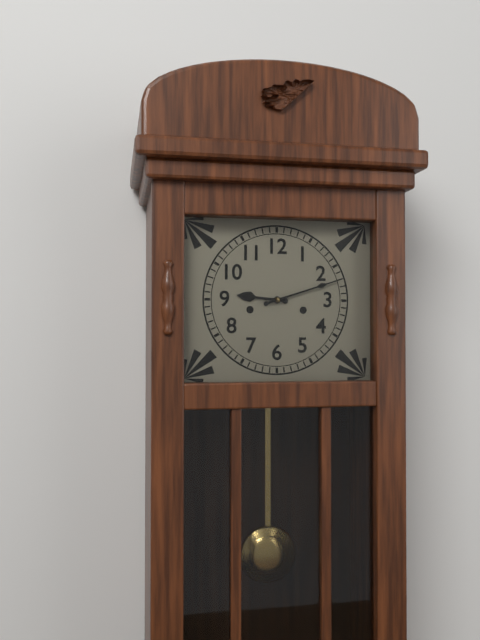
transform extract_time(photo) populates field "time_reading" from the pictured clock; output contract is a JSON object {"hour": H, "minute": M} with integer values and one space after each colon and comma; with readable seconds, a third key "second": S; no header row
{"hour": 9, "minute": 12}
